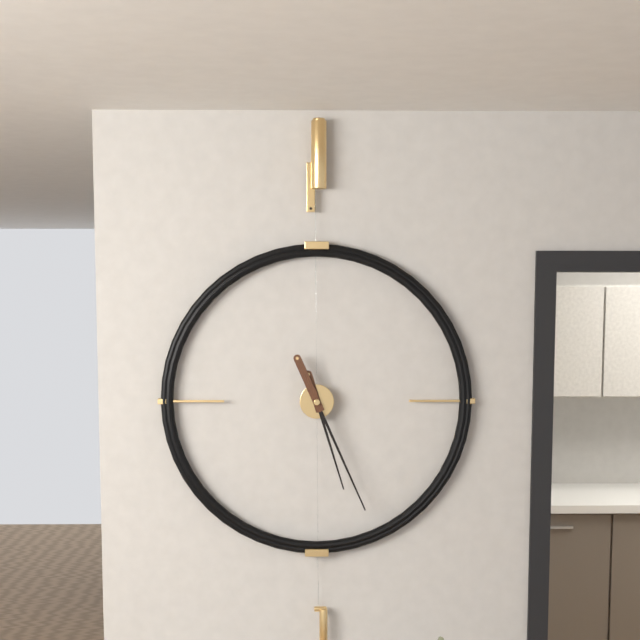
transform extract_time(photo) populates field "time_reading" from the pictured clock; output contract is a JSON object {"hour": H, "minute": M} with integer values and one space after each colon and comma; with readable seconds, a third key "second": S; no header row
{"hour": 5, "minute": 26}
